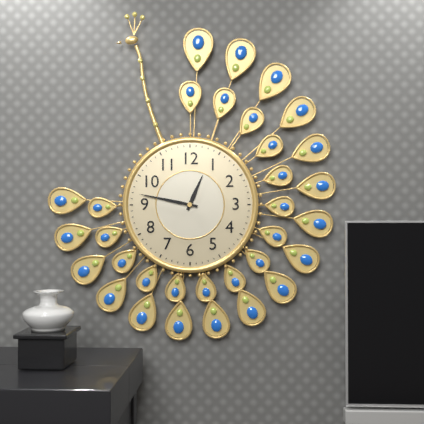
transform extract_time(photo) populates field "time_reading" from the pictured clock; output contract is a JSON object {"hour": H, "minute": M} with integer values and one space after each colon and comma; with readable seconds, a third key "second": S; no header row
{"hour": 12, "minute": 47}
